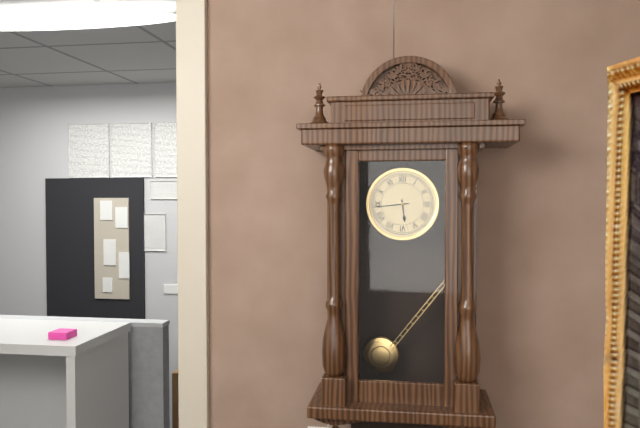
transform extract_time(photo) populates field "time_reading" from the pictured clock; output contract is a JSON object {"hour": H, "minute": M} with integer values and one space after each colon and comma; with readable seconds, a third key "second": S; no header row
{"hour": 5, "minute": 44}
